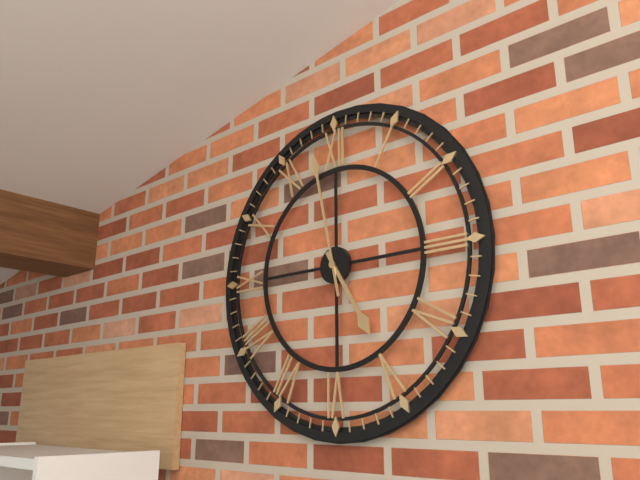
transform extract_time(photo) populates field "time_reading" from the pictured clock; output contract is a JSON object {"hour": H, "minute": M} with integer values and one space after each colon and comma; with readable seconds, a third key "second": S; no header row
{"hour": 4, "minute": 58}
